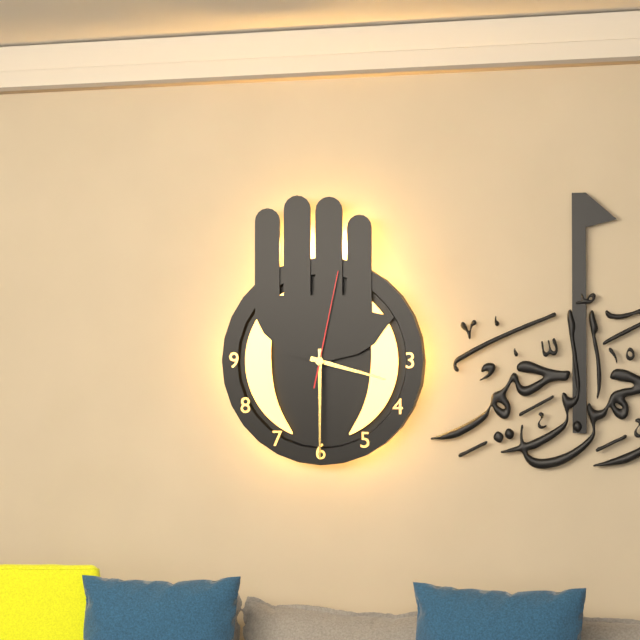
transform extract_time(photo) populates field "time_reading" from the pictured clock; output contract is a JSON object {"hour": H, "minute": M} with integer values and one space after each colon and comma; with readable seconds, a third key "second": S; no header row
{"hour": 3, "minute": 30, "second": 2}
